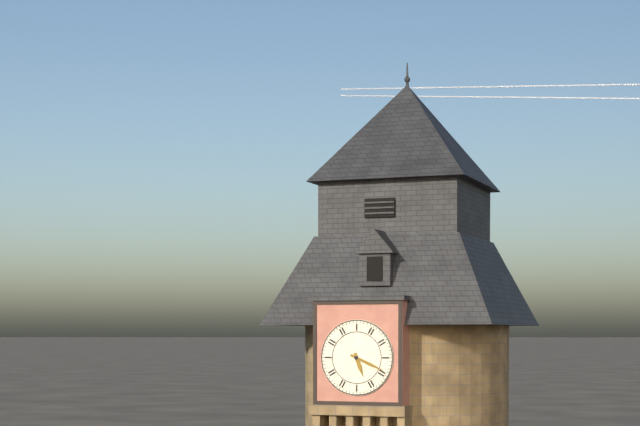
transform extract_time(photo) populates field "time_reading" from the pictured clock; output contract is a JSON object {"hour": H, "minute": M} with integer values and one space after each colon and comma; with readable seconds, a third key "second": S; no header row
{"hour": 5, "minute": 19}
